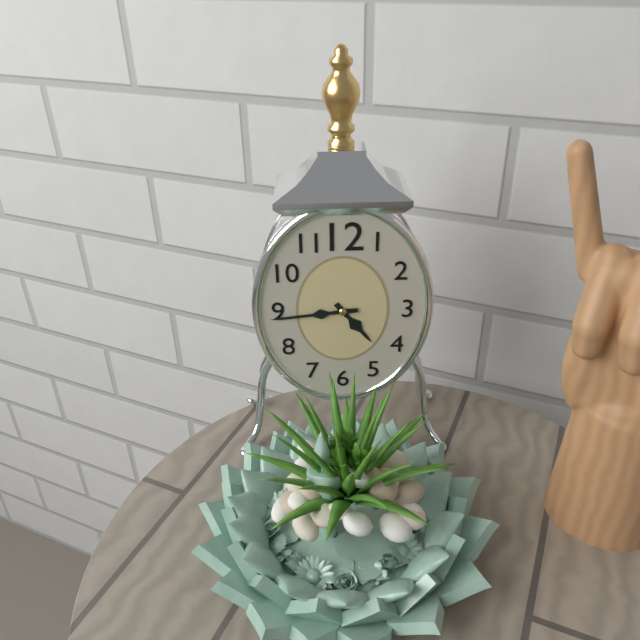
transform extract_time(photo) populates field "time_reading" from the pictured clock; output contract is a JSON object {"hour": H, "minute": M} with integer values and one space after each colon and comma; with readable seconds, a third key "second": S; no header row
{"hour": 4, "minute": 44}
